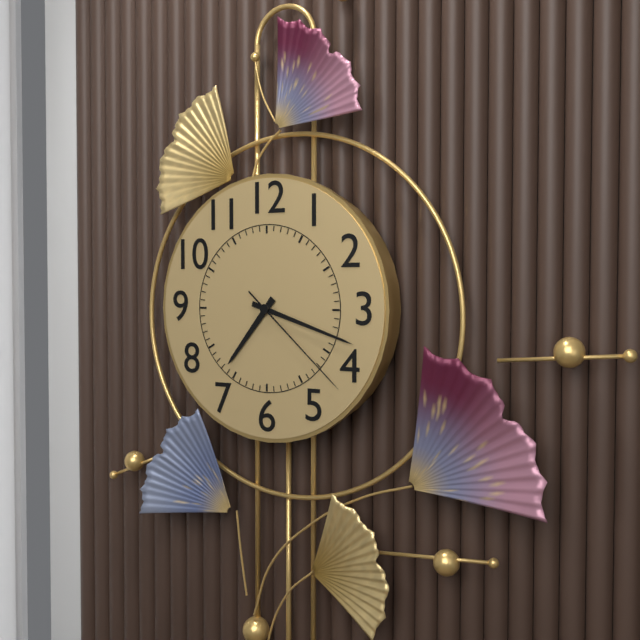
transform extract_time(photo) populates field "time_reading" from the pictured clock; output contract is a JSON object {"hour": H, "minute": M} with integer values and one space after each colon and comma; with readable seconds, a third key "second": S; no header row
{"hour": 7, "minute": 18, "second": 22}
